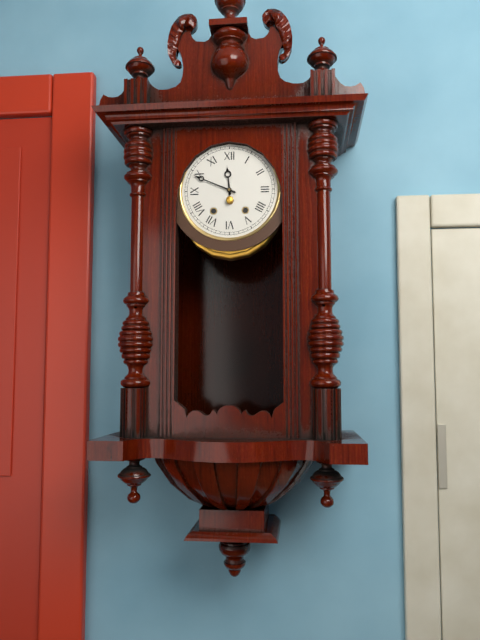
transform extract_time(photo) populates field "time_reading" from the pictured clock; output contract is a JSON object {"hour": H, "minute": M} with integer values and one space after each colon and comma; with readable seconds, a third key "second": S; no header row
{"hour": 11, "minute": 49}
